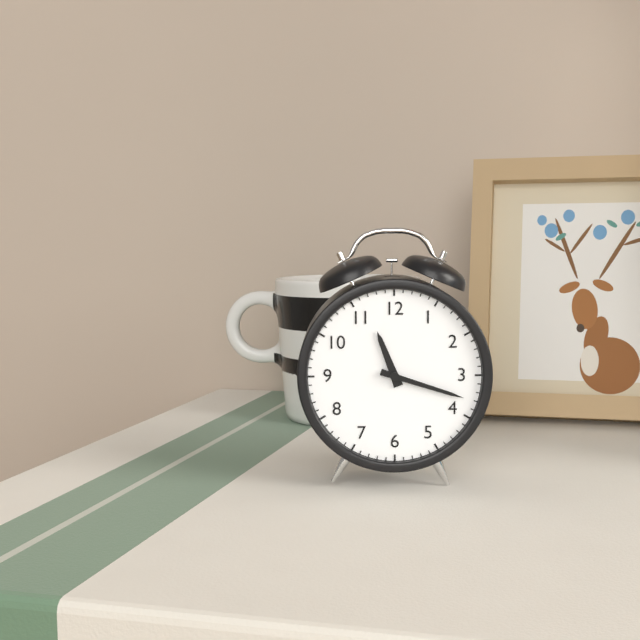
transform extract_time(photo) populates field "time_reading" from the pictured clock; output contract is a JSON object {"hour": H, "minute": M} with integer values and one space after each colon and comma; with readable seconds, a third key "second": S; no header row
{"hour": 11, "minute": 18}
